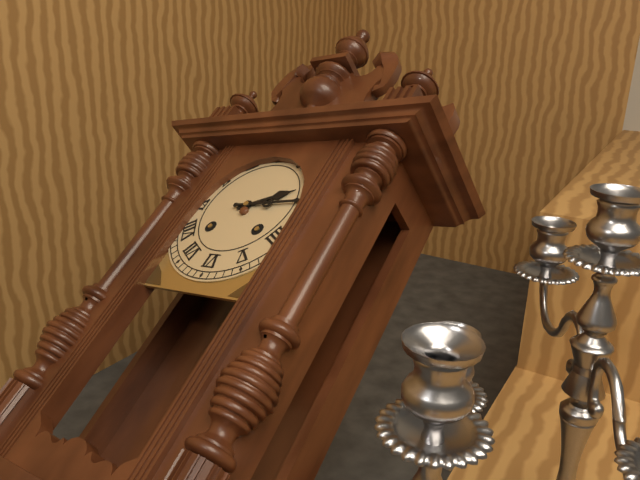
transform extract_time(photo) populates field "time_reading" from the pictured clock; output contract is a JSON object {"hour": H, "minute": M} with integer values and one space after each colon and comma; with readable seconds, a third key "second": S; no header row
{"hour": 2, "minute": 14}
